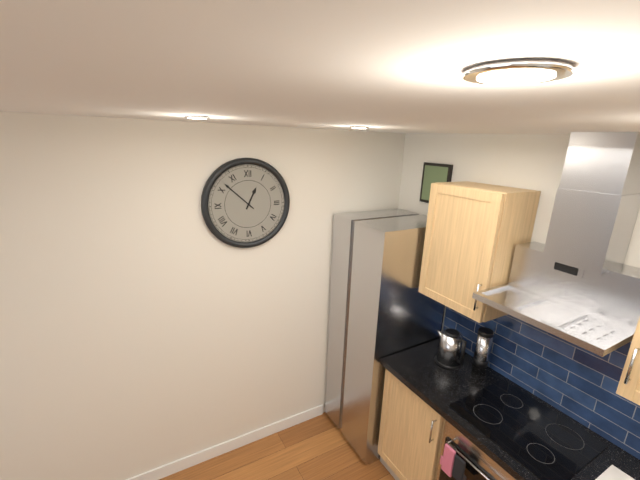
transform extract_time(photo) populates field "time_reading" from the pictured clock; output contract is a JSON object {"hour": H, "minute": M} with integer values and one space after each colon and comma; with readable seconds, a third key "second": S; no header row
{"hour": 12, "minute": 52}
